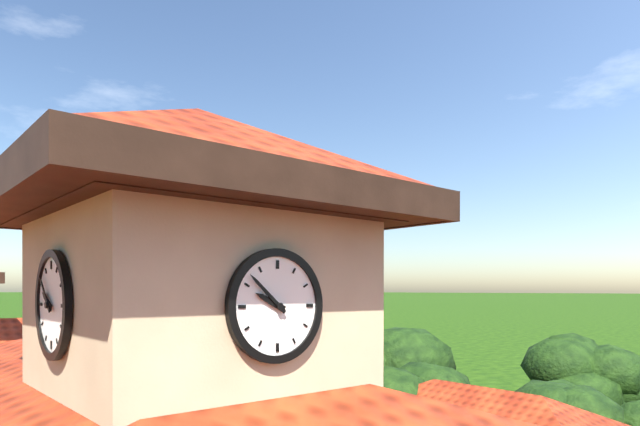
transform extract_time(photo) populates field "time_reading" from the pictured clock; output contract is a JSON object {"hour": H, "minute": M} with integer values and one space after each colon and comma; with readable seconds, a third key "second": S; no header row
{"hour": 9, "minute": 52}
